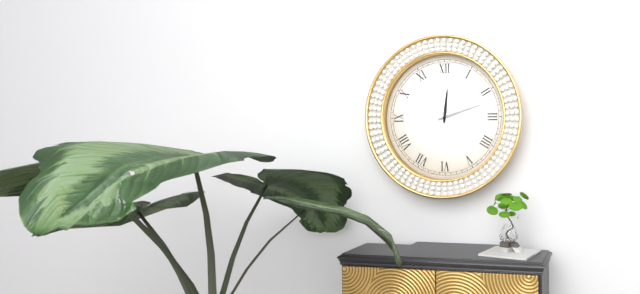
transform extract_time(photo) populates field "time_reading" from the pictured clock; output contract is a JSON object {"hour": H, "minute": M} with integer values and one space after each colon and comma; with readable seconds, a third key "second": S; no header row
{"hour": 12, "minute": 12}
